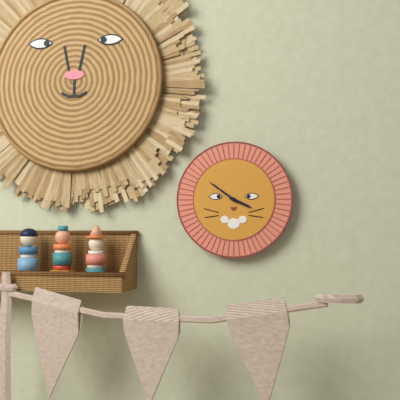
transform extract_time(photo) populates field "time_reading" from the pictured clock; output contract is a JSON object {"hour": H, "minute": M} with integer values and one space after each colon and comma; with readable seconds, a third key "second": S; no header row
{"hour": 3, "minute": 51}
